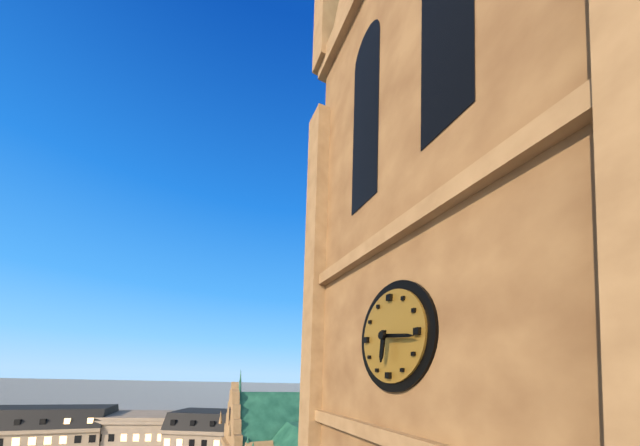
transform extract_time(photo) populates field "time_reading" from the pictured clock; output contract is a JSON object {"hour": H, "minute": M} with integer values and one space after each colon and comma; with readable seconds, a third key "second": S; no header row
{"hour": 6, "minute": 16}
